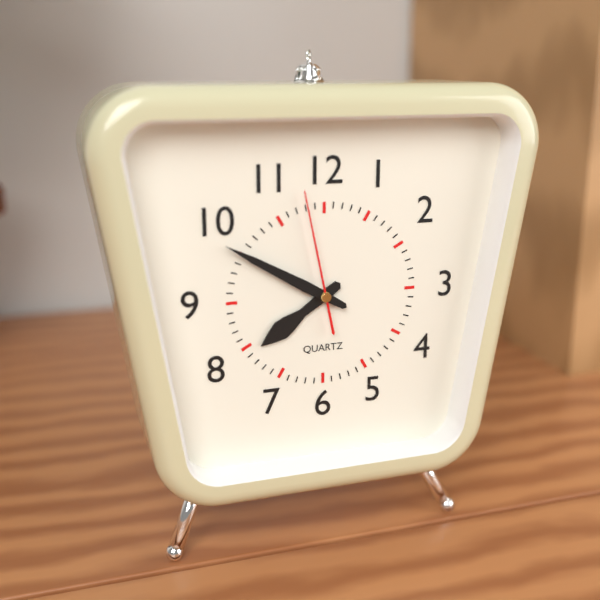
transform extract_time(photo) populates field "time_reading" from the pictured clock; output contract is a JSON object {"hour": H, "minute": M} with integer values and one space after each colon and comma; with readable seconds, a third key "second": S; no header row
{"hour": 7, "minute": 50, "second": 58}
